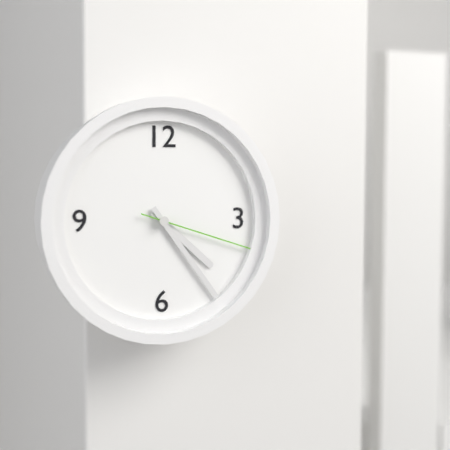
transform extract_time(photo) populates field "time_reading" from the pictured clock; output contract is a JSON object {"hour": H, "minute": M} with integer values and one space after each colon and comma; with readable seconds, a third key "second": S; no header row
{"hour": 4, "minute": 24, "second": 18}
